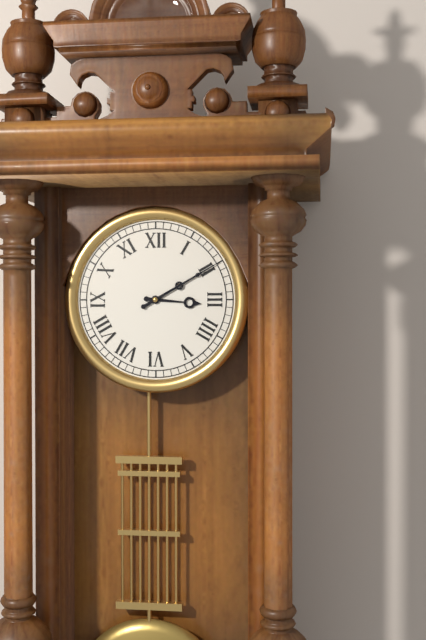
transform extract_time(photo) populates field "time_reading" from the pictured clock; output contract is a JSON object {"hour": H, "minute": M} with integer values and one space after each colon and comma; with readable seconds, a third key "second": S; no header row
{"hour": 3, "minute": 10}
